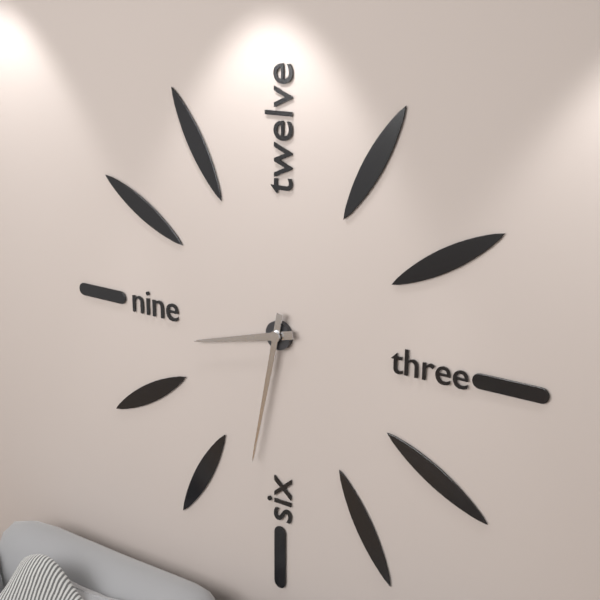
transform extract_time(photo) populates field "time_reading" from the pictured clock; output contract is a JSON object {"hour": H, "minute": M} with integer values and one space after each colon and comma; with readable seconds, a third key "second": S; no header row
{"hour": 8, "minute": 32}
